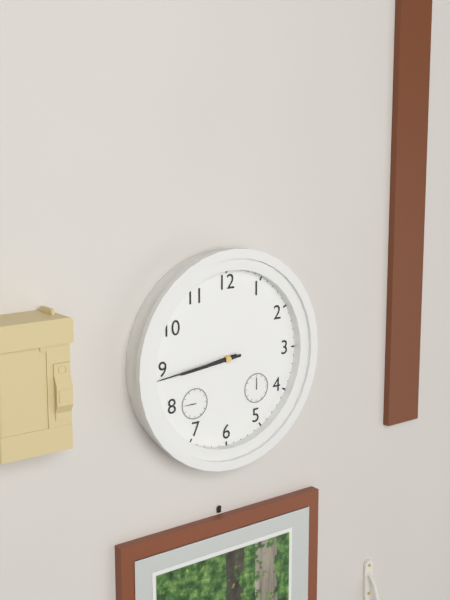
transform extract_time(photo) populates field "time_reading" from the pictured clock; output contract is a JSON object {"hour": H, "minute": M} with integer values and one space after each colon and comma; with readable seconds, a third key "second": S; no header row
{"hour": 8, "minute": 44}
